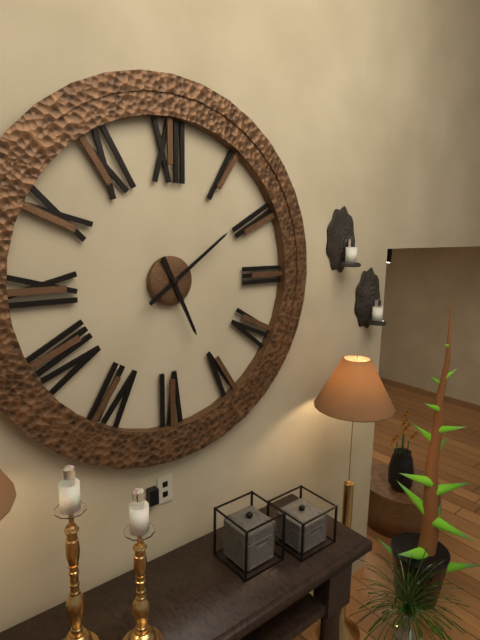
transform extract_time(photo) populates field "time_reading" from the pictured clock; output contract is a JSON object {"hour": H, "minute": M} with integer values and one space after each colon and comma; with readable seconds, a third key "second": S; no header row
{"hour": 5, "minute": 9}
